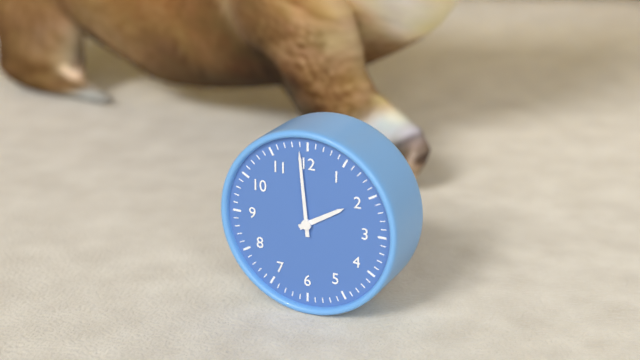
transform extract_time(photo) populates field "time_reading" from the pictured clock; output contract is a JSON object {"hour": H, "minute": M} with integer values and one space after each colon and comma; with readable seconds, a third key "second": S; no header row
{"hour": 1, "minute": 59}
